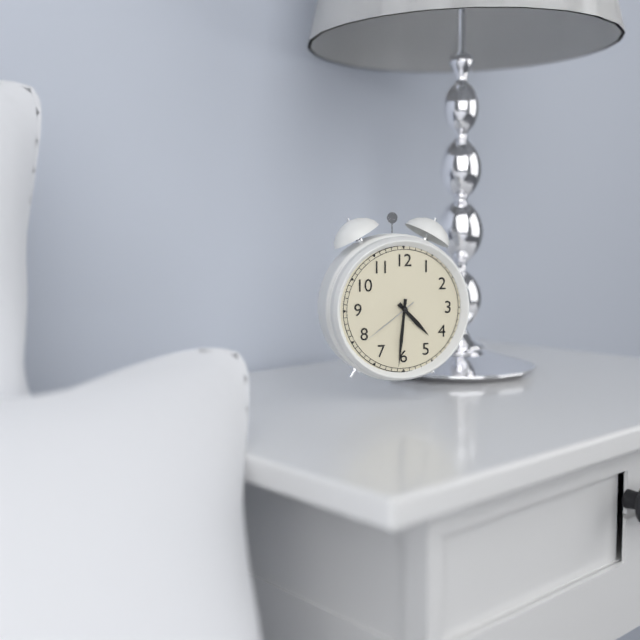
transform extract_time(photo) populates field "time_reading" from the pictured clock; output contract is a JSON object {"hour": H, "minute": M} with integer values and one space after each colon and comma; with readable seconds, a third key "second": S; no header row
{"hour": 4, "minute": 31, "second": 39}
